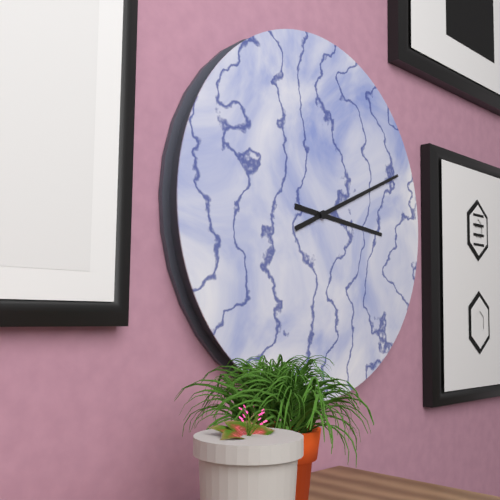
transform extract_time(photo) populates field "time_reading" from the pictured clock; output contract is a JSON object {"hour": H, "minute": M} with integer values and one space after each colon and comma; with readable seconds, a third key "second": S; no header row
{"hour": 3, "minute": 11}
